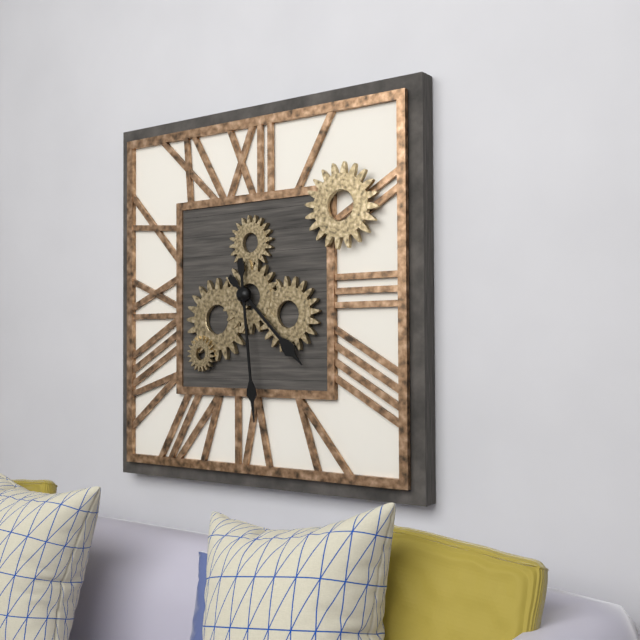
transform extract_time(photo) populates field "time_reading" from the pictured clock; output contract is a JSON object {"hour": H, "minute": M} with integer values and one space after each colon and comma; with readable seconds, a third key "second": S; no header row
{"hour": 4, "minute": 29}
